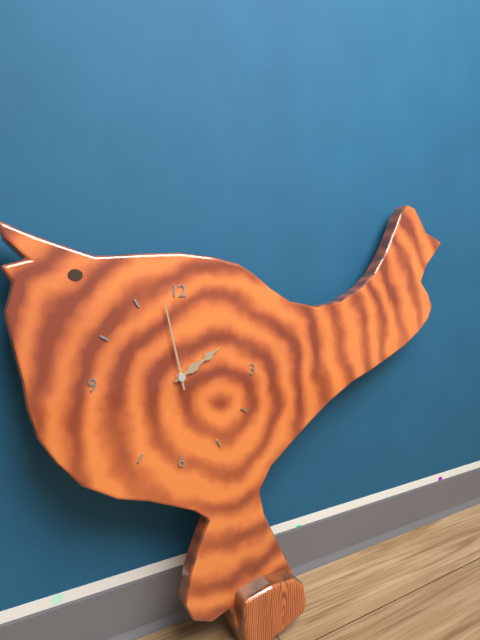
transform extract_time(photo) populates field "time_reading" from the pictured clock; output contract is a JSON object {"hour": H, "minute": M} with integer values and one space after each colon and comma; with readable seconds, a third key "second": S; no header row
{"hour": 1, "minute": 58}
